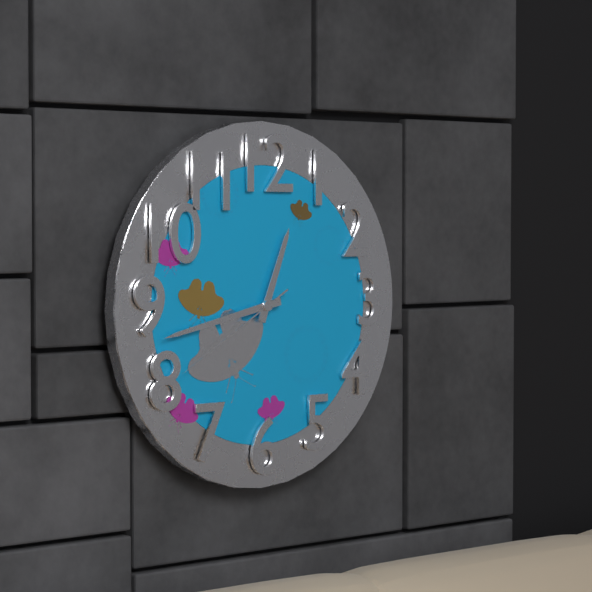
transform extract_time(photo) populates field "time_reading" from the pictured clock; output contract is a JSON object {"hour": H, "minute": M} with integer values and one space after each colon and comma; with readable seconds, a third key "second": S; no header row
{"hour": 12, "minute": 43, "second": 40}
